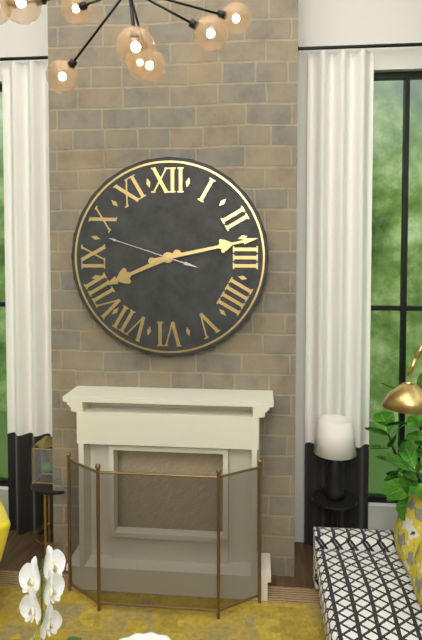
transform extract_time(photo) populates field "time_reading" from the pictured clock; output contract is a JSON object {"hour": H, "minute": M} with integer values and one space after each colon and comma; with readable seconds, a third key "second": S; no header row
{"hour": 8, "minute": 13, "second": 48}
